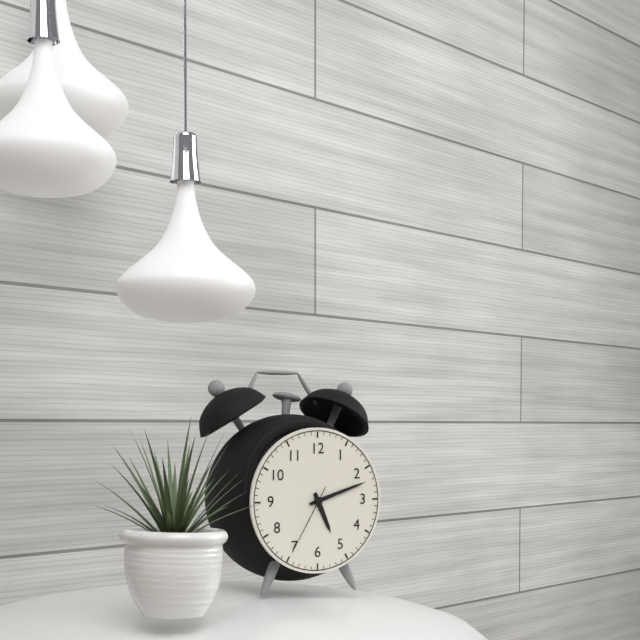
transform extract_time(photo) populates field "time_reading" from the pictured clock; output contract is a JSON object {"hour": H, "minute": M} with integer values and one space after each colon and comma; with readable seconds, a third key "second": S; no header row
{"hour": 5, "minute": 12, "second": 35}
